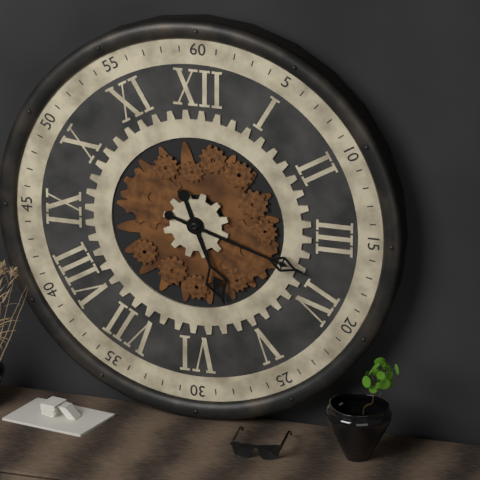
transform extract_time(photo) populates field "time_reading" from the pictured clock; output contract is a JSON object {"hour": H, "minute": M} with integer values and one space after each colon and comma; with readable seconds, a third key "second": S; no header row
{"hour": 5, "minute": 18}
